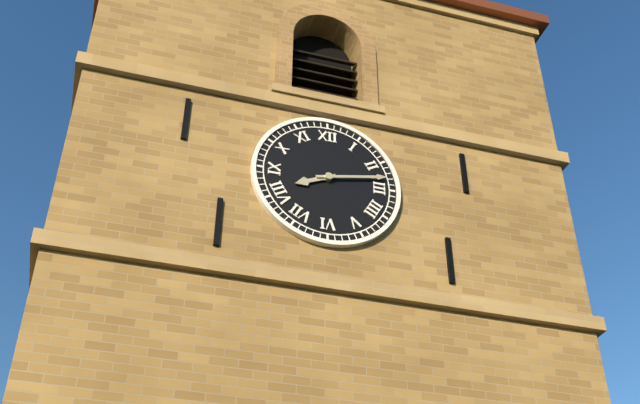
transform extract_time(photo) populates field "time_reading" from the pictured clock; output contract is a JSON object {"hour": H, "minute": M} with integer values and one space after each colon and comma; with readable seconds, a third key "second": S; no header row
{"hour": 8, "minute": 13}
